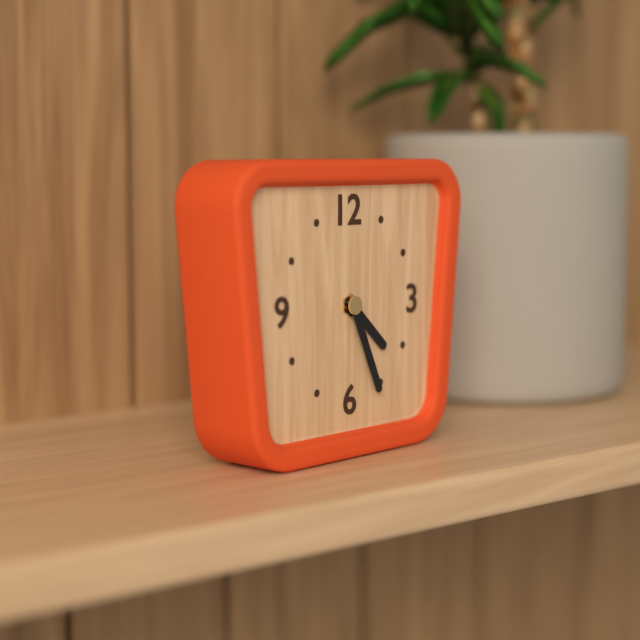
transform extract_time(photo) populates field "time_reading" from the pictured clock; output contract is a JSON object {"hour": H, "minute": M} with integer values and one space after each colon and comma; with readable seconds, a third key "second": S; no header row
{"hour": 4, "minute": 26}
